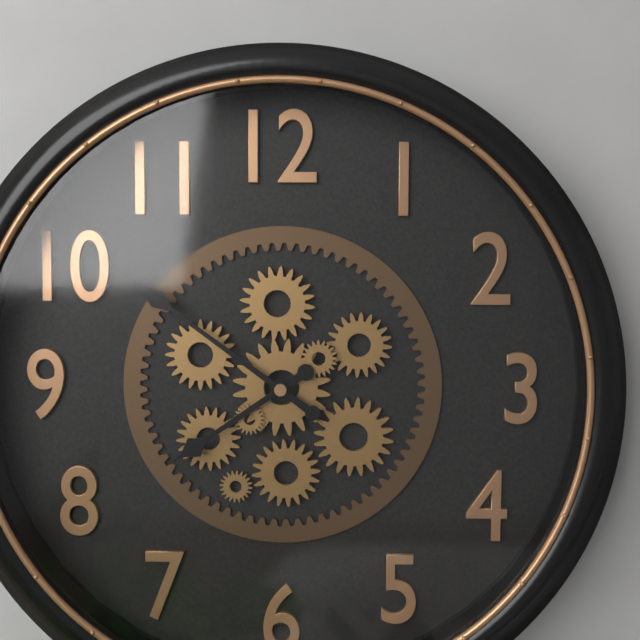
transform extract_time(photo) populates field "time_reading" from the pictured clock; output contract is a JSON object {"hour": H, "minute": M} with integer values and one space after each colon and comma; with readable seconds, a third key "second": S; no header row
{"hour": 7, "minute": 51}
